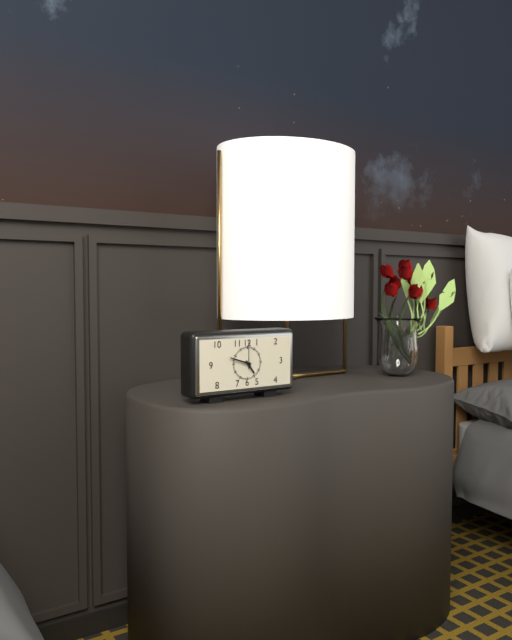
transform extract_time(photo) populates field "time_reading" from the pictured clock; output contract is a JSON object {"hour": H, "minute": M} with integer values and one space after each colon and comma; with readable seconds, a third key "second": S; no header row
{"hour": 4, "minute": 48}
